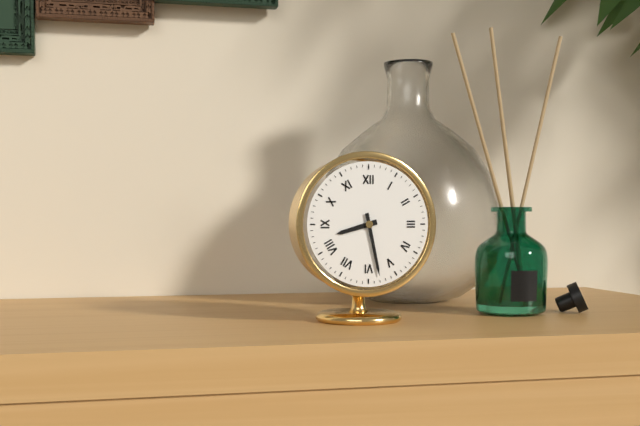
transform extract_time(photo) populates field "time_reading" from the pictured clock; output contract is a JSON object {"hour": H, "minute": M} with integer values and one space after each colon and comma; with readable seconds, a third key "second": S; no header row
{"hour": 8, "minute": 28}
